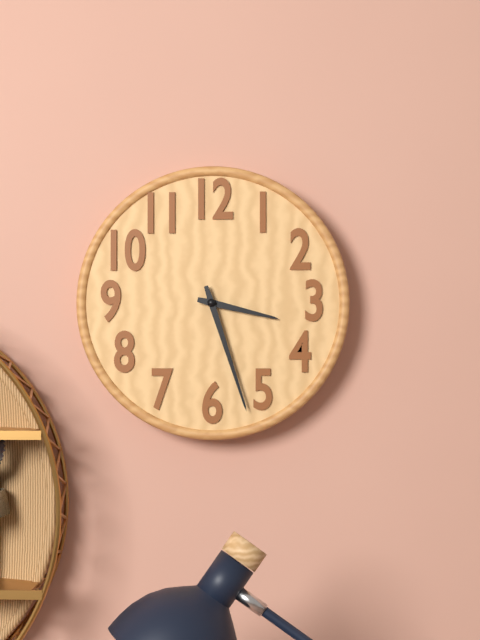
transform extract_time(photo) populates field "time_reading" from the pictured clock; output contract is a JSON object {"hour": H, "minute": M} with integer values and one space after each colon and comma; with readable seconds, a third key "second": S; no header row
{"hour": 3, "minute": 27}
